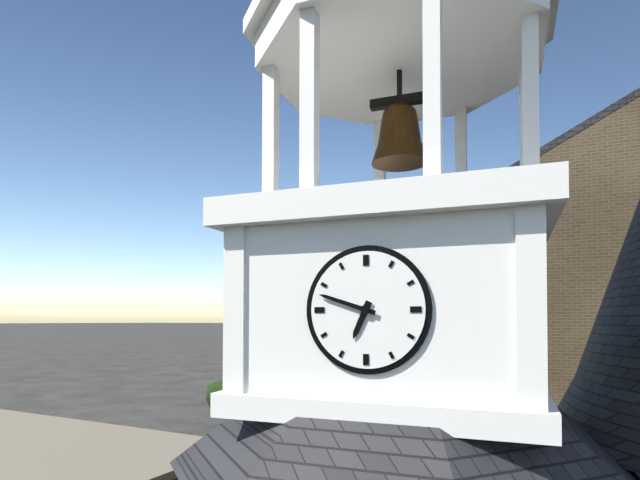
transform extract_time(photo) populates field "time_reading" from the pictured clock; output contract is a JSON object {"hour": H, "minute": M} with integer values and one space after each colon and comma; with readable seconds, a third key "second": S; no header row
{"hour": 6, "minute": 48}
